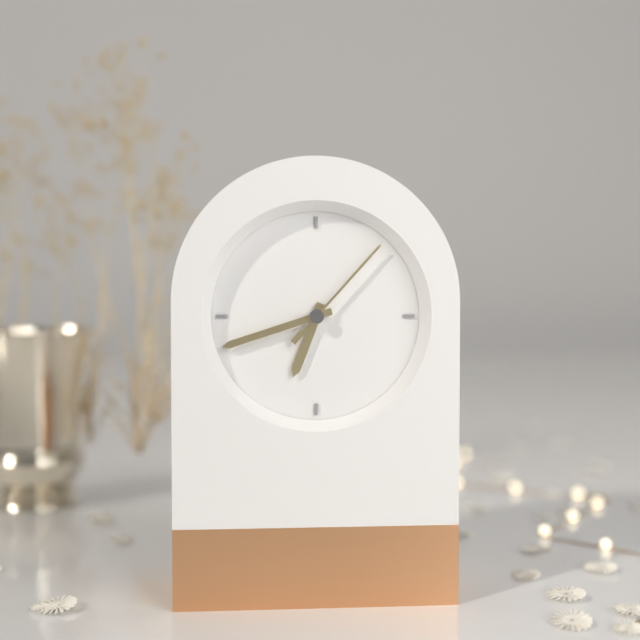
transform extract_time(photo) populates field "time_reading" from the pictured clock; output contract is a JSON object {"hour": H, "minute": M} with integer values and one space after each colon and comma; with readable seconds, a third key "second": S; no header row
{"hour": 6, "minute": 42, "second": 7}
